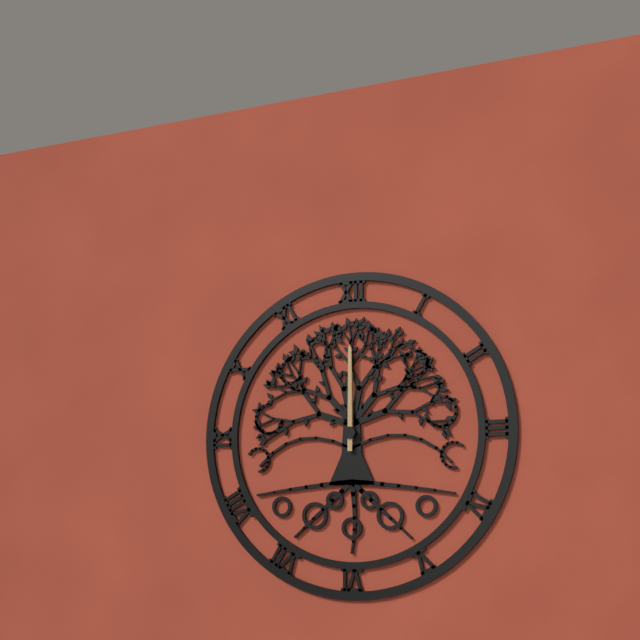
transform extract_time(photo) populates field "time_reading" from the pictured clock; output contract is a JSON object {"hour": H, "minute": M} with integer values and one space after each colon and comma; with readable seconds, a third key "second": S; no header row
{"hour": 12, "minute": 0}
